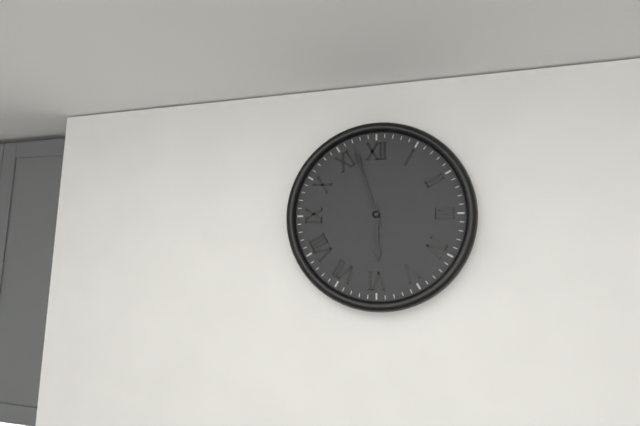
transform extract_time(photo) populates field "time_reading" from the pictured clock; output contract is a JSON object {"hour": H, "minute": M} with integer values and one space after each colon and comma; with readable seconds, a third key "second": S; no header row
{"hour": 5, "minute": 57}
